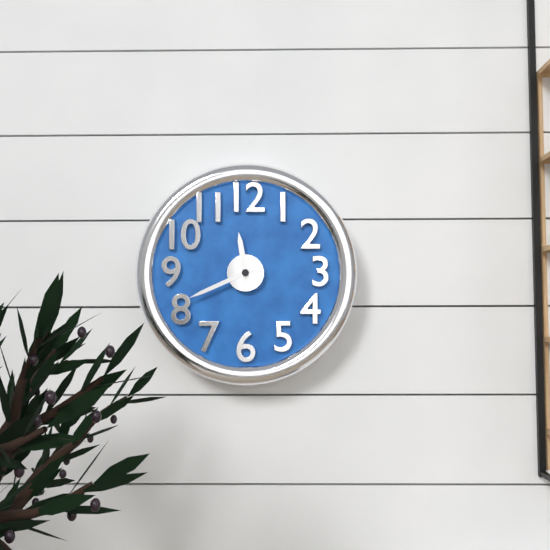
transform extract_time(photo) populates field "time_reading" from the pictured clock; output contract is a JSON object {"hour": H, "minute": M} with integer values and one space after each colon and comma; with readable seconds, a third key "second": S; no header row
{"hour": 11, "minute": 41}
